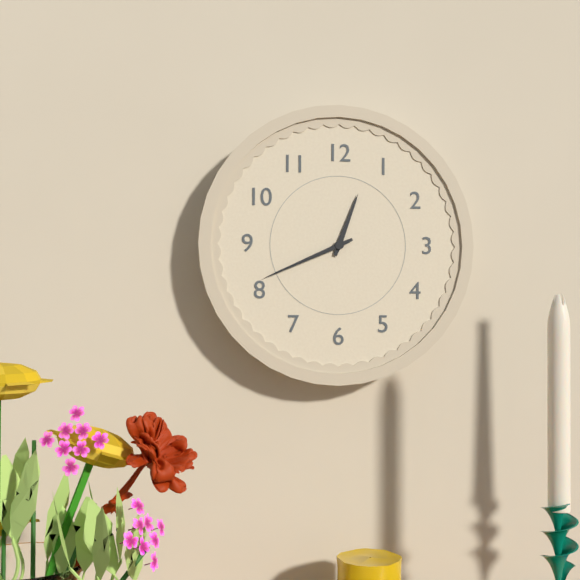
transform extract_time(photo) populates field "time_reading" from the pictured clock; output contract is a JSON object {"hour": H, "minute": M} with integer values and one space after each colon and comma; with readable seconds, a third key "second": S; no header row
{"hour": 12, "minute": 41}
